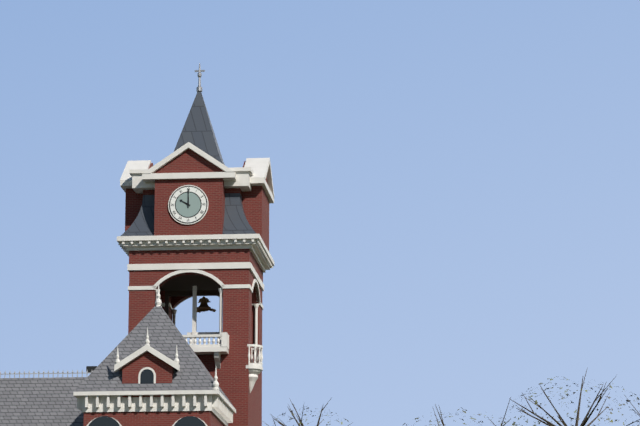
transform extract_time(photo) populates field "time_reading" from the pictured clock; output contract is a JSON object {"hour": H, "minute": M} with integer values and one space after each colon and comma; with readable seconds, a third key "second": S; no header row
{"hour": 10, "minute": 0}
